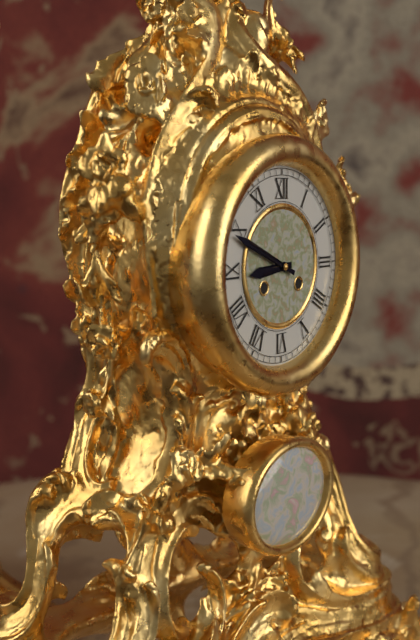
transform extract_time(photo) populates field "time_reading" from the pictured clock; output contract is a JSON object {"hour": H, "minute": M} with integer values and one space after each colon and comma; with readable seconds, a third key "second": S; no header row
{"hour": 8, "minute": 49}
